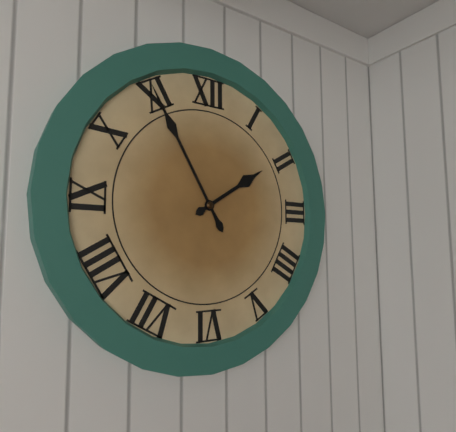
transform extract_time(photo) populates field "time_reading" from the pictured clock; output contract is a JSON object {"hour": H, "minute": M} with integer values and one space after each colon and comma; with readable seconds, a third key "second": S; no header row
{"hour": 1, "minute": 55}
